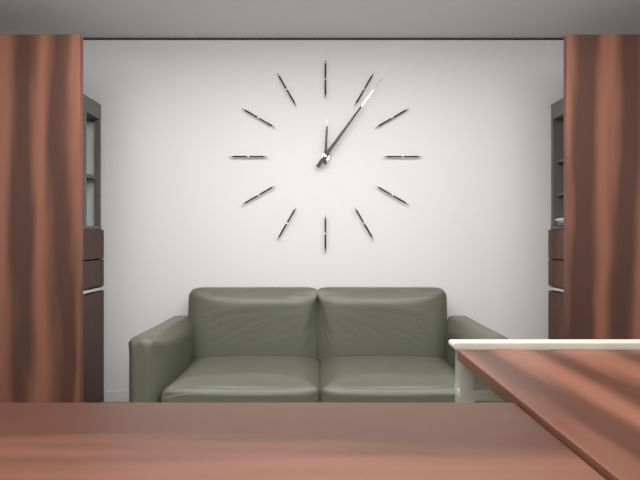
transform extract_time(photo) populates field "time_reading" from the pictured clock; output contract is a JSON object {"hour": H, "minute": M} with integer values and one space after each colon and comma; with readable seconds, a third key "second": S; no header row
{"hour": 12, "minute": 6}
